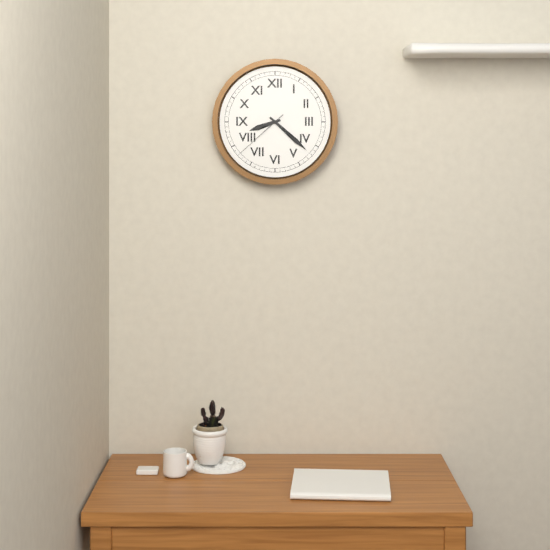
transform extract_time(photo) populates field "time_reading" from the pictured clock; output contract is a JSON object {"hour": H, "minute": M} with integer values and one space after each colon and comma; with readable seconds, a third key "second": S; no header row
{"hour": 8, "minute": 22, "second": 38}
